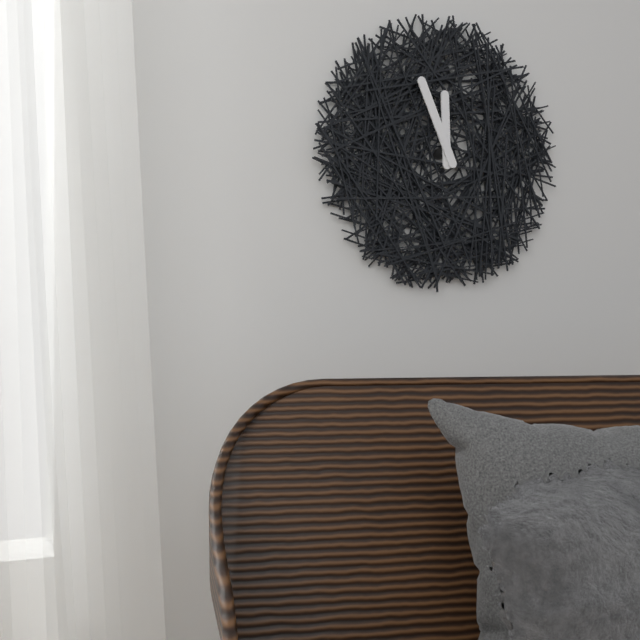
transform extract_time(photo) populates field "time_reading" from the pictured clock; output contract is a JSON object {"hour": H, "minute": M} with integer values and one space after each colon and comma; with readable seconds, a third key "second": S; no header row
{"hour": 11, "minute": 56}
